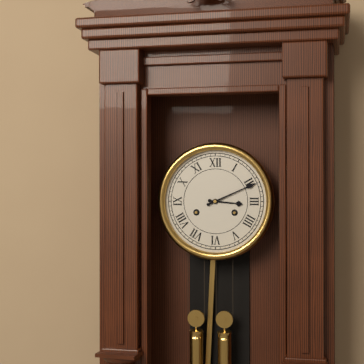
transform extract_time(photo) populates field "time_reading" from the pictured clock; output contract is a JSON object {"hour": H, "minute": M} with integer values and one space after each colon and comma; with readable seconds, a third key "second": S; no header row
{"hour": 3, "minute": 11}
